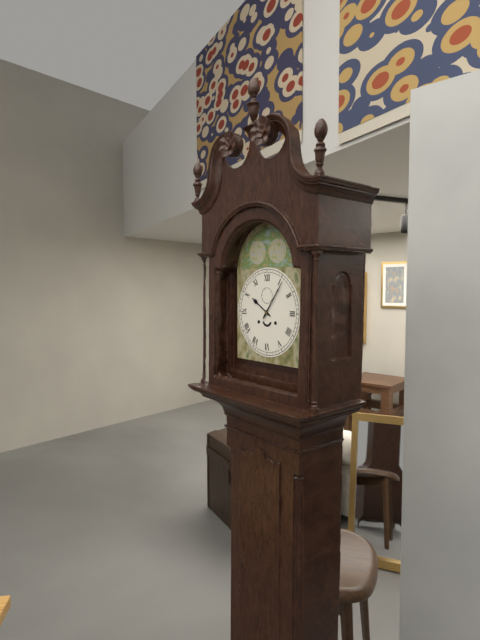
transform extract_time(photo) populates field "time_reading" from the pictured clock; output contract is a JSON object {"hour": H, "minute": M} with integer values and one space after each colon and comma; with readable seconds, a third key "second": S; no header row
{"hour": 10, "minute": 6}
